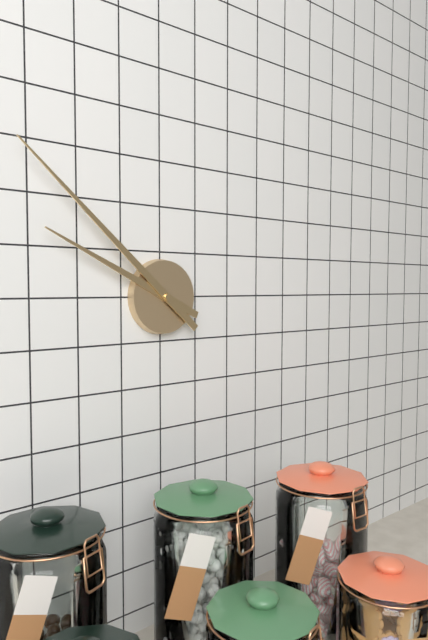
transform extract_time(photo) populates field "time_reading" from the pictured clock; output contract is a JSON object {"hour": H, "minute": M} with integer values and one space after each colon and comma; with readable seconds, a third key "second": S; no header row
{"hour": 9, "minute": 52}
